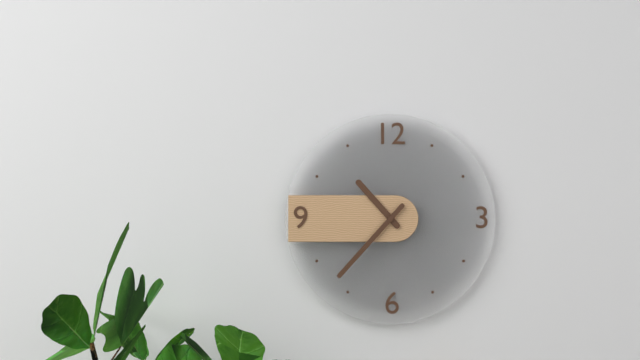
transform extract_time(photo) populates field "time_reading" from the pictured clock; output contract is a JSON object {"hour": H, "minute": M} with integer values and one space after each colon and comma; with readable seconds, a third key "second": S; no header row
{"hour": 10, "minute": 37}
